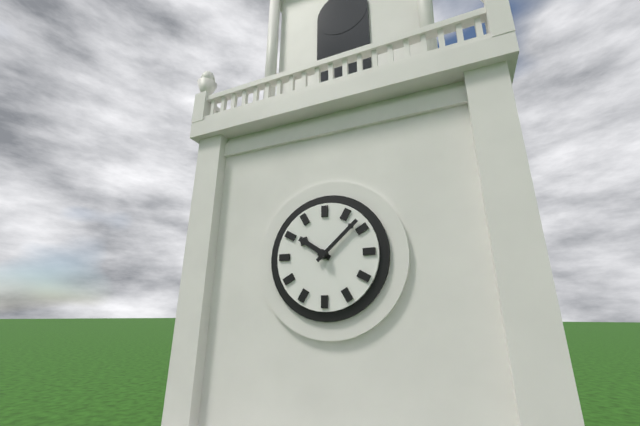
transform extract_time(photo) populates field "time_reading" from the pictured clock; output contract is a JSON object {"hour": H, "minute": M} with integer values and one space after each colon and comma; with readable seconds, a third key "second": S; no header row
{"hour": 10, "minute": 8}
